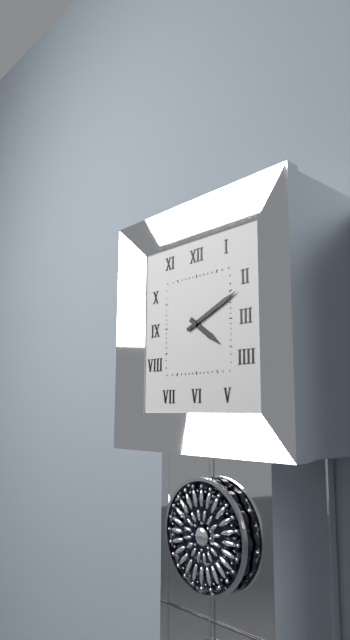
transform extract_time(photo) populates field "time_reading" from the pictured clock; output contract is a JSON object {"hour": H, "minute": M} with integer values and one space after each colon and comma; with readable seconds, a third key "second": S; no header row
{"hour": 4, "minute": 11}
